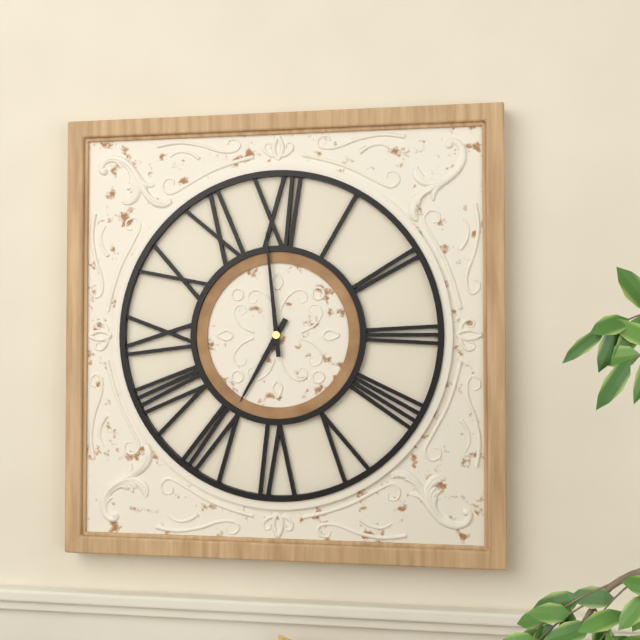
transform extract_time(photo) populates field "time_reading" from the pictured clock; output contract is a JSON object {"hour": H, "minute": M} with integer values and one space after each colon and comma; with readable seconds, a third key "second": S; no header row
{"hour": 6, "minute": 59}
